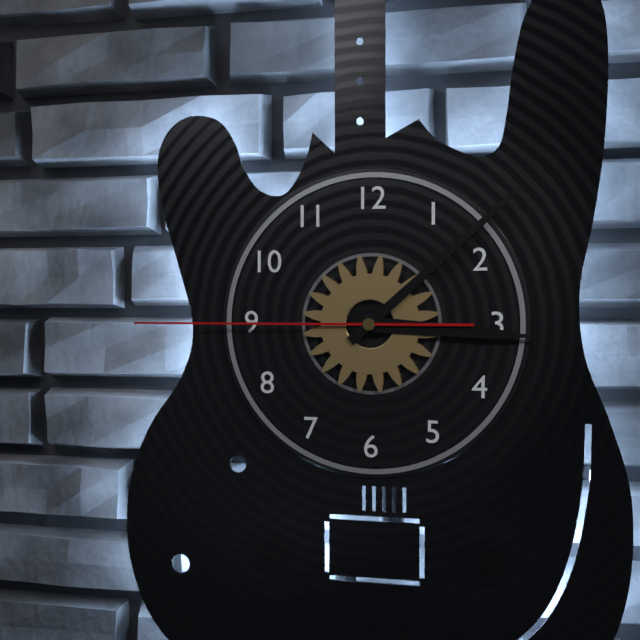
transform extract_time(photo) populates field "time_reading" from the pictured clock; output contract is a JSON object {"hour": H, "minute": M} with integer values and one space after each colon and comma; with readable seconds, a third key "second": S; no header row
{"hour": 3, "minute": 8, "second": 45}
